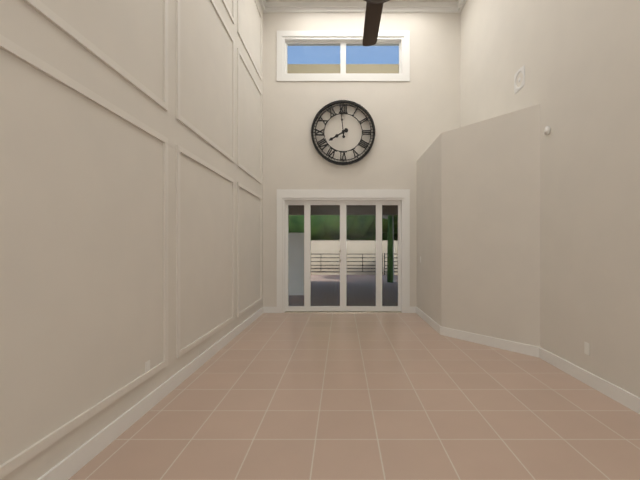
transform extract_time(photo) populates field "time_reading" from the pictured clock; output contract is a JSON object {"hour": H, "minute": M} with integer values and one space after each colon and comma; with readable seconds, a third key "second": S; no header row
{"hour": 7, "minute": 59}
